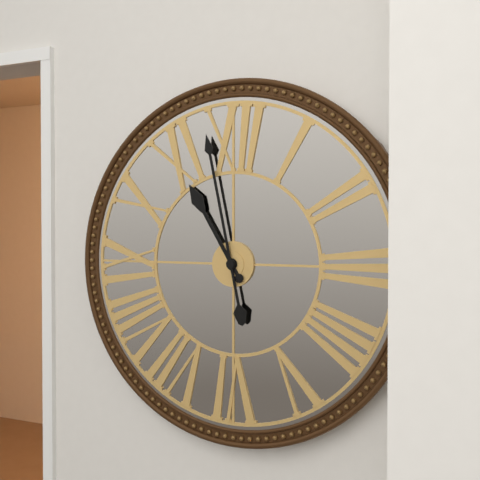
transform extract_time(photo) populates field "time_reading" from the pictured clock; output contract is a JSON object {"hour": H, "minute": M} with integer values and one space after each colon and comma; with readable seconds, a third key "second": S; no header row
{"hour": 10, "minute": 58}
